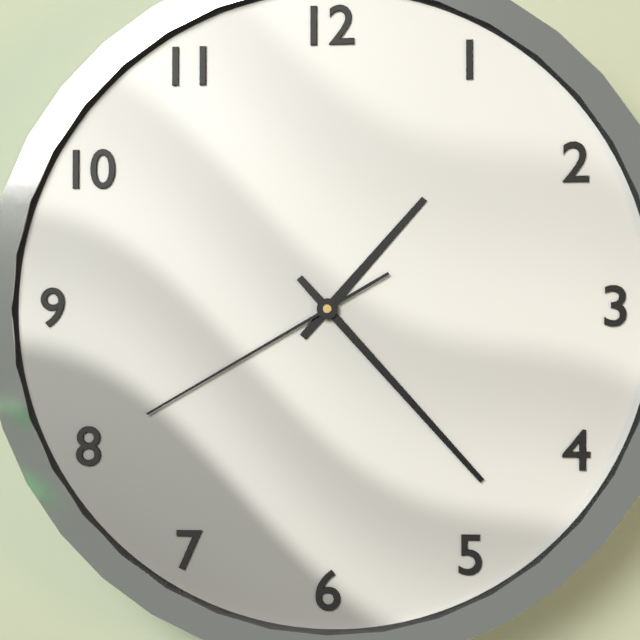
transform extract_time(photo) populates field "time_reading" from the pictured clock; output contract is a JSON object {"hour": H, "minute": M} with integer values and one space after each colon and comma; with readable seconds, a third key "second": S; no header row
{"hour": 1, "minute": 23, "second": 40}
